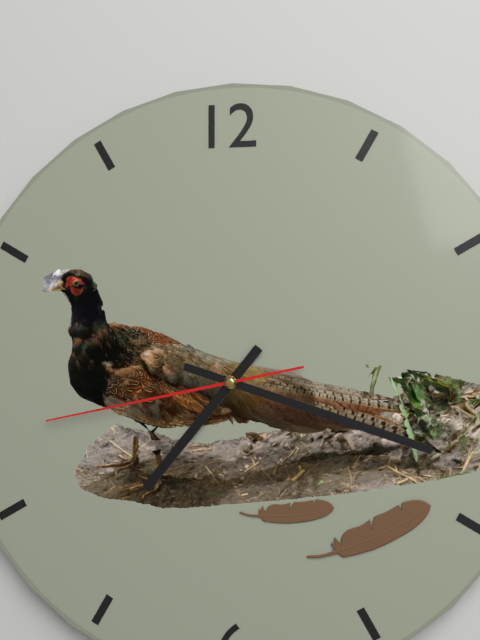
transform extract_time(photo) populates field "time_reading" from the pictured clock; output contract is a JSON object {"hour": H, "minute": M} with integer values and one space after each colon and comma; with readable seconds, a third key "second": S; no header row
{"hour": 7, "minute": 18, "second": 43}
